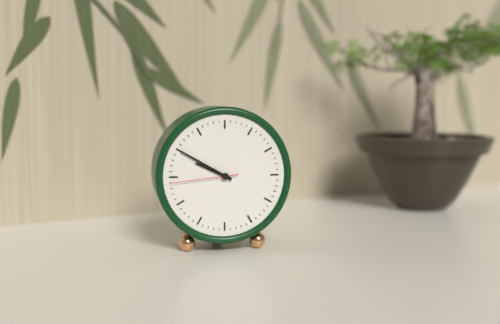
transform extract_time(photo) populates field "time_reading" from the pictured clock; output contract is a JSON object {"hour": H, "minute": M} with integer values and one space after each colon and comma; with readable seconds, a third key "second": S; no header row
{"hour": 9, "minute": 50, "second": 44}
